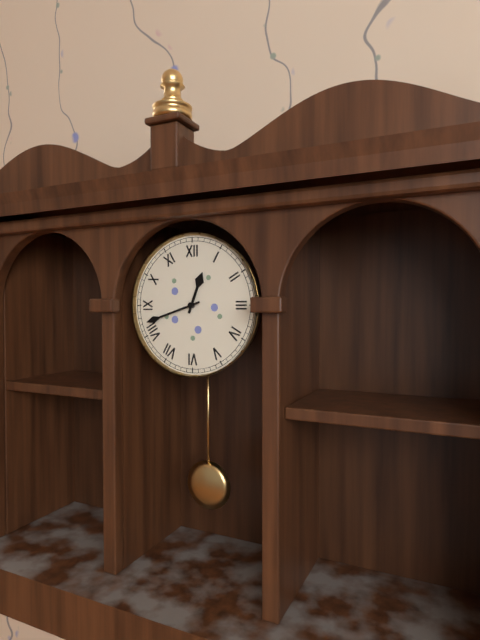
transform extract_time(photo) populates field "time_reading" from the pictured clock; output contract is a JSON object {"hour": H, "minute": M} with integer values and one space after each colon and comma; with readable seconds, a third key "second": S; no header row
{"hour": 12, "minute": 42}
